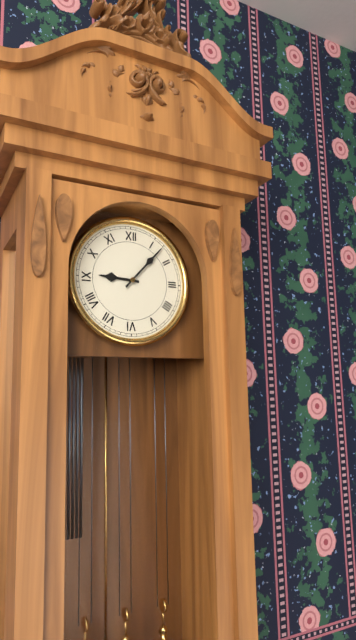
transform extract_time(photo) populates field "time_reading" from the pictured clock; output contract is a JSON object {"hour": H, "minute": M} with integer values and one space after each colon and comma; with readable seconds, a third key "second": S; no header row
{"hour": 9, "minute": 7}
